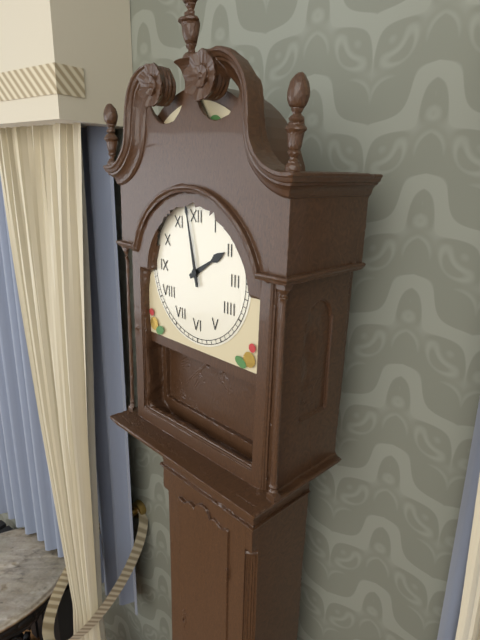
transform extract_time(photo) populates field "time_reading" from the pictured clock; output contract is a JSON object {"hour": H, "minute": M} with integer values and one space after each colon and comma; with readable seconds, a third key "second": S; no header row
{"hour": 1, "minute": 58}
